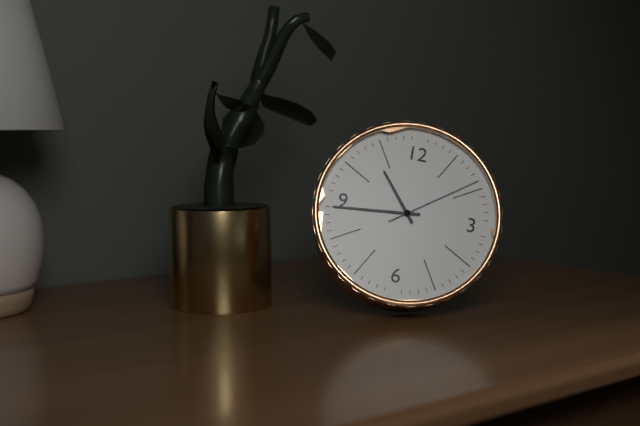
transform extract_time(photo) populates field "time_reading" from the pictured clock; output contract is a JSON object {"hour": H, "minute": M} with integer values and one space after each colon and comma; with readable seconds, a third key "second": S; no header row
{"hour": 10, "minute": 44, "second": 9}
